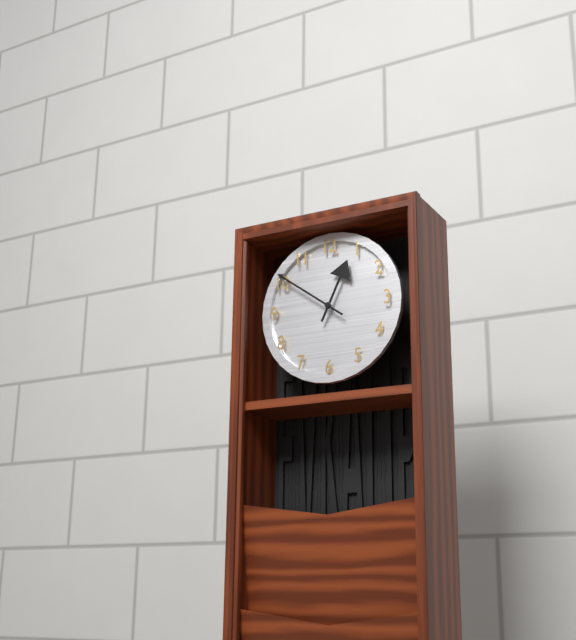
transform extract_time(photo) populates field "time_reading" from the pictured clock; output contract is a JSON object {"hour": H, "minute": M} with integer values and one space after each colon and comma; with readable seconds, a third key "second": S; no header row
{"hour": 12, "minute": 51}
